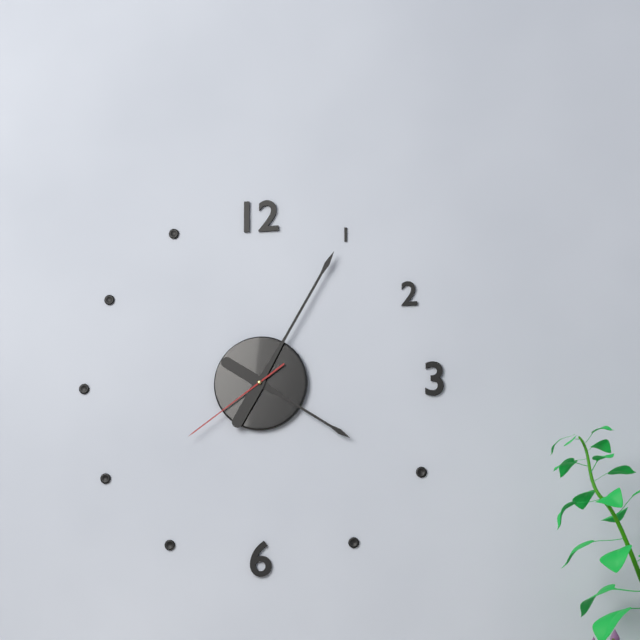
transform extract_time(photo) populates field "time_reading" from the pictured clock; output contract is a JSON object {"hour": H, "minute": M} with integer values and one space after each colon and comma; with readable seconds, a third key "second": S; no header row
{"hour": 4, "minute": 5, "second": 39}
